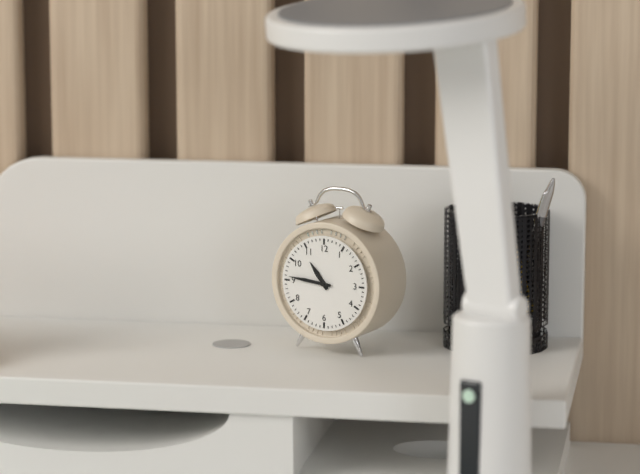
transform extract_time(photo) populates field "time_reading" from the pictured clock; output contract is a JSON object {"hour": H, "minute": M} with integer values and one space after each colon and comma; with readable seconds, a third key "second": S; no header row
{"hour": 10, "minute": 46}
